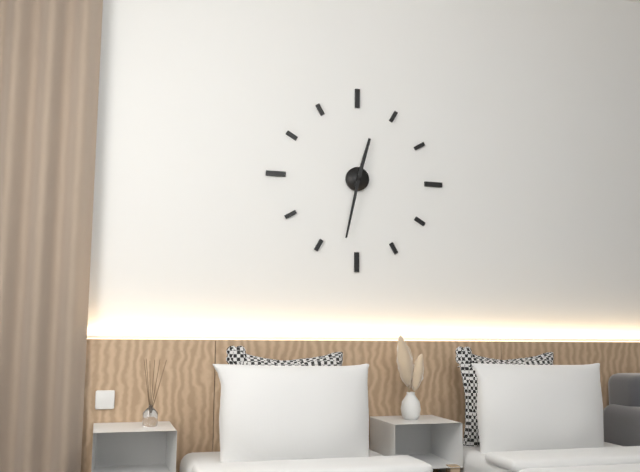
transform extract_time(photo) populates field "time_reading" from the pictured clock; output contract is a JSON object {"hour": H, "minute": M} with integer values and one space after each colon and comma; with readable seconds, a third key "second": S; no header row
{"hour": 12, "minute": 32}
